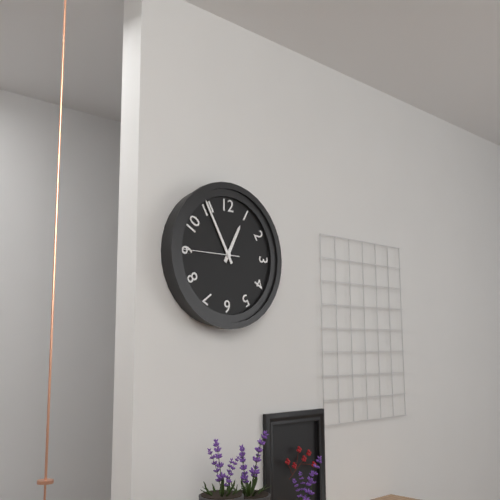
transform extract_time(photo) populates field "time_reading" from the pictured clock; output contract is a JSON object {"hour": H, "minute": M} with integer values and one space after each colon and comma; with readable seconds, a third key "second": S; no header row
{"hour": 12, "minute": 55, "second": 45}
